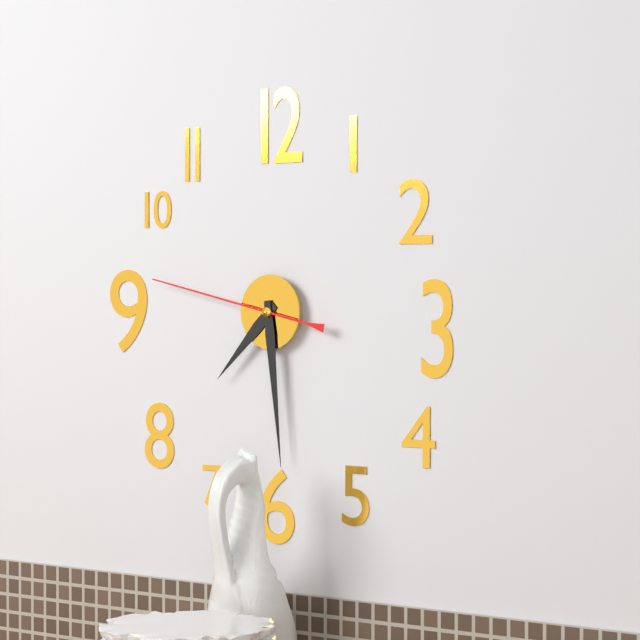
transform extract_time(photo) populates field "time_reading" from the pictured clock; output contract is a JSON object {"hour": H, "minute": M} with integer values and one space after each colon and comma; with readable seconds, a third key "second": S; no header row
{"hour": 7, "minute": 29, "second": 47}
